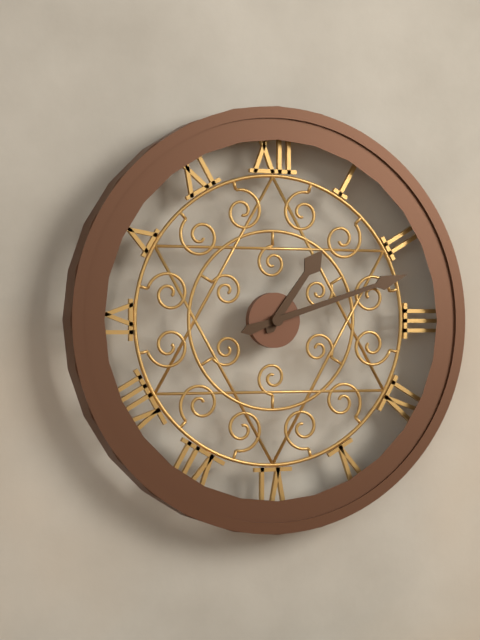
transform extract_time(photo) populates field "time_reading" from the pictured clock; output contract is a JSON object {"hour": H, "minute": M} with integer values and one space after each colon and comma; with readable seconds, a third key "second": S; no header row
{"hour": 1, "minute": 12}
